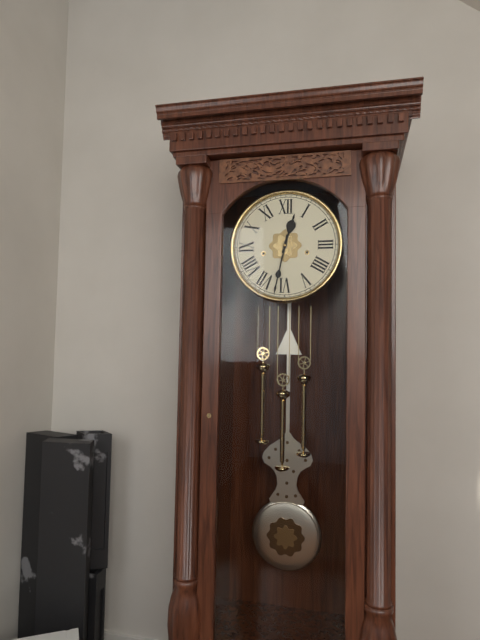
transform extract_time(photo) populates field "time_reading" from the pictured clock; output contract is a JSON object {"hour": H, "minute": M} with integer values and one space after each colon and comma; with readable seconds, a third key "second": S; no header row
{"hour": 12, "minute": 32}
